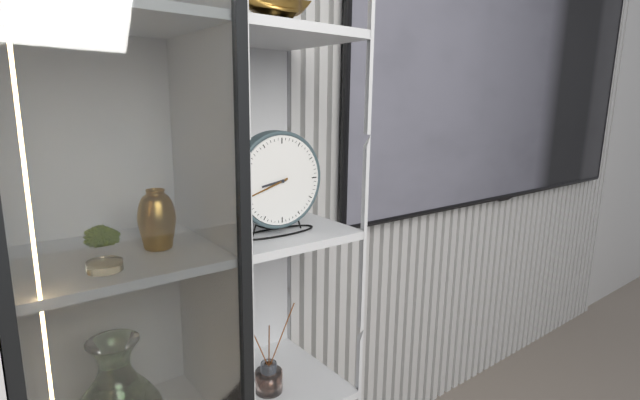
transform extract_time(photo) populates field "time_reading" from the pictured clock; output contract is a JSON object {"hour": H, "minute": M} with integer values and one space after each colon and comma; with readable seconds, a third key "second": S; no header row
{"hour": 8, "minute": 42}
